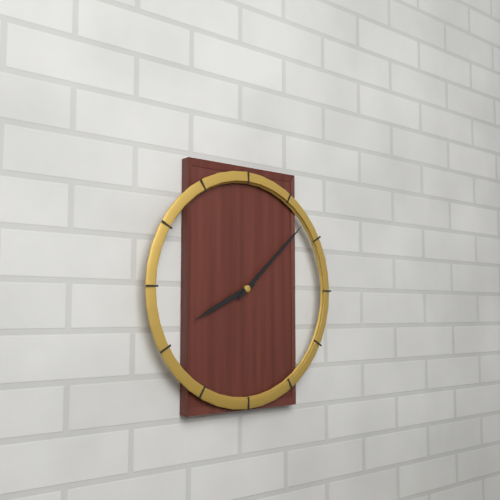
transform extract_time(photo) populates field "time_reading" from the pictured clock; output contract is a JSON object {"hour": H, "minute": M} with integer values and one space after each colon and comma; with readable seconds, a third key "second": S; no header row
{"hour": 8, "minute": 8}
